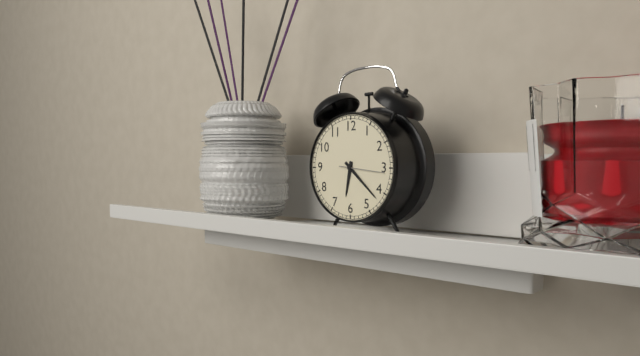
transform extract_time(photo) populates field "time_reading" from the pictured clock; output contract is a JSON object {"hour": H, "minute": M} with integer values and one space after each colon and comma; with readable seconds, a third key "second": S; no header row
{"hour": 6, "minute": 22}
